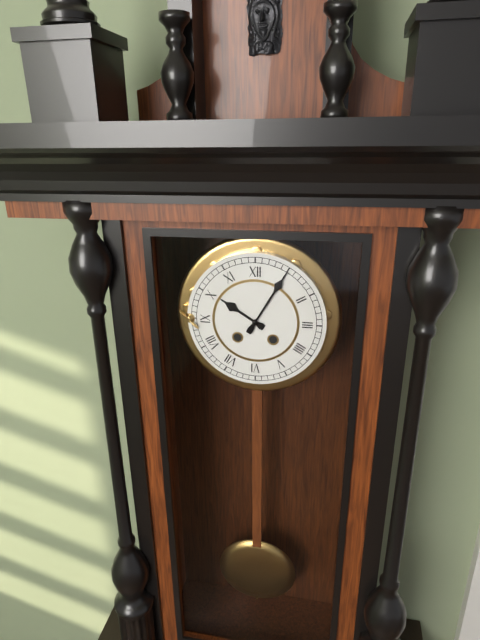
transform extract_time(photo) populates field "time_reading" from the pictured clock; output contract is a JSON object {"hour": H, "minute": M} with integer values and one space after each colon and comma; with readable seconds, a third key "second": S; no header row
{"hour": 10, "minute": 5}
